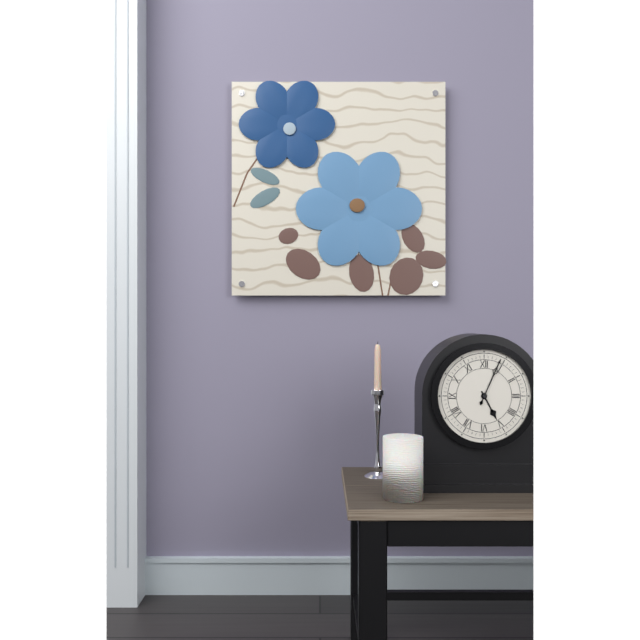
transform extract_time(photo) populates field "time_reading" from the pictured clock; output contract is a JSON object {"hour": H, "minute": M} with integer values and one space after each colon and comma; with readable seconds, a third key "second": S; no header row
{"hour": 5, "minute": 4}
